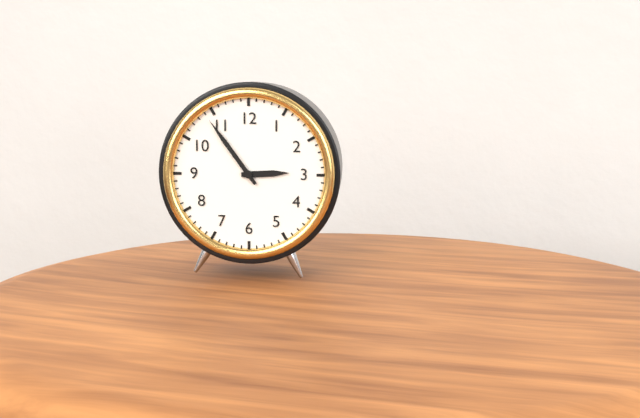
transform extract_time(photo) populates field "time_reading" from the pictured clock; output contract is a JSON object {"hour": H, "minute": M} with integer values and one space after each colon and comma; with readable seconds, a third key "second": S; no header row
{"hour": 2, "minute": 54}
